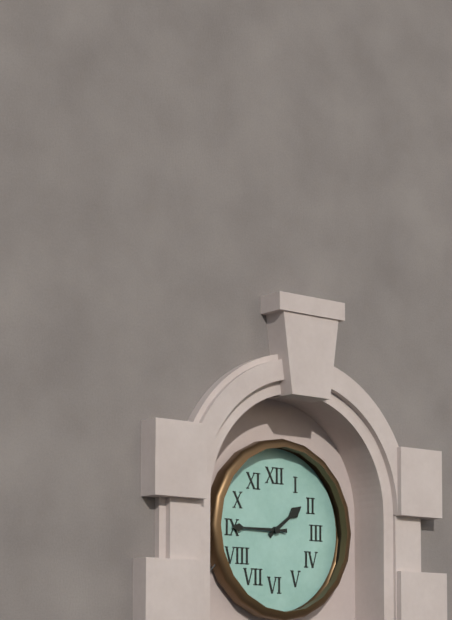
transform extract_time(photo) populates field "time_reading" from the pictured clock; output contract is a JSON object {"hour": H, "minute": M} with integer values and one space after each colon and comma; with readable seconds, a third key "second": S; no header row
{"hour": 1, "minute": 45}
